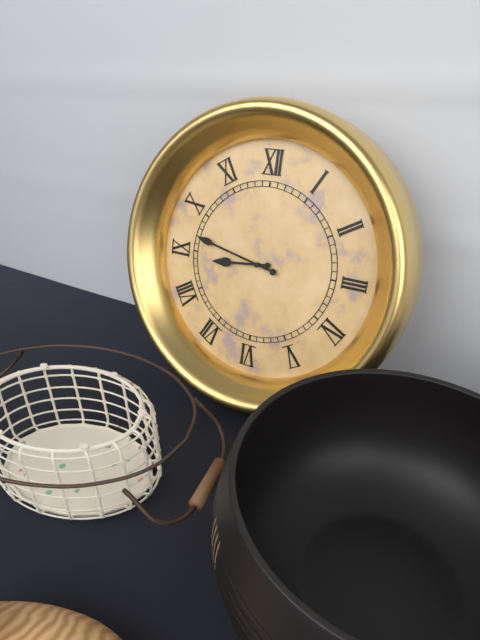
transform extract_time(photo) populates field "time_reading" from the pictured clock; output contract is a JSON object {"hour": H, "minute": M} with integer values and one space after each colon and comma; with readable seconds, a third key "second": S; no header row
{"hour": 8, "minute": 47}
